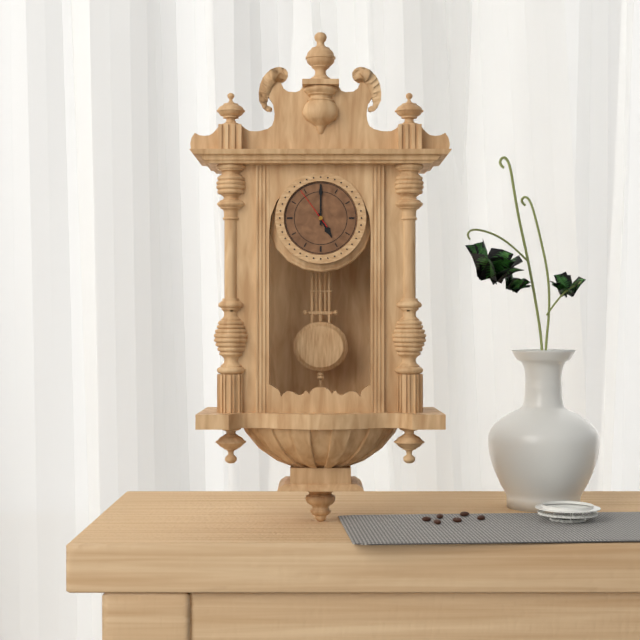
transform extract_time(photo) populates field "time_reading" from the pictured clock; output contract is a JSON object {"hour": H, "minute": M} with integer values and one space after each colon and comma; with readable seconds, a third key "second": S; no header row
{"hour": 5, "minute": 0}
